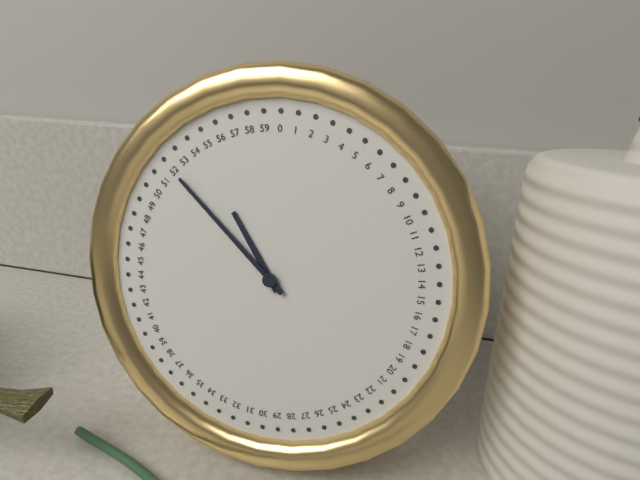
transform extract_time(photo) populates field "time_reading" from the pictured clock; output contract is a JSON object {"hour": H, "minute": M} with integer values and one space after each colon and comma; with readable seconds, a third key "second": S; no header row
{"hour": 10, "minute": 52}
